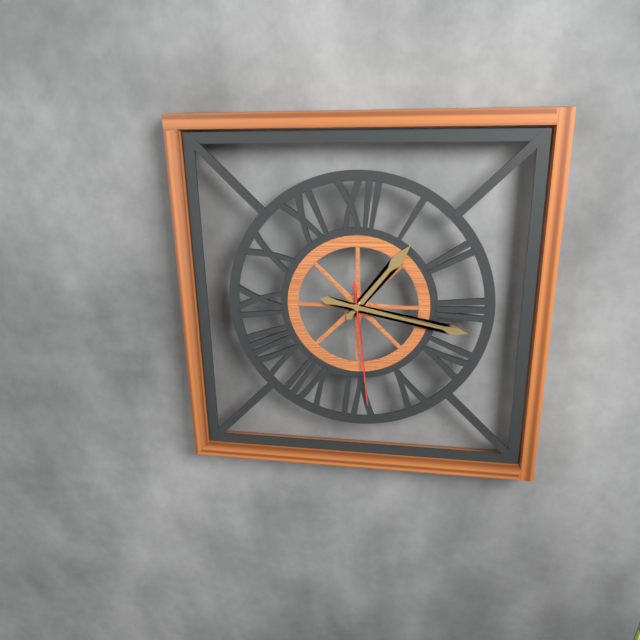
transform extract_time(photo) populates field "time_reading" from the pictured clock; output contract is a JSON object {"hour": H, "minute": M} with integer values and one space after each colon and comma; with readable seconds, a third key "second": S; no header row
{"hour": 1, "minute": 17, "second": 29}
